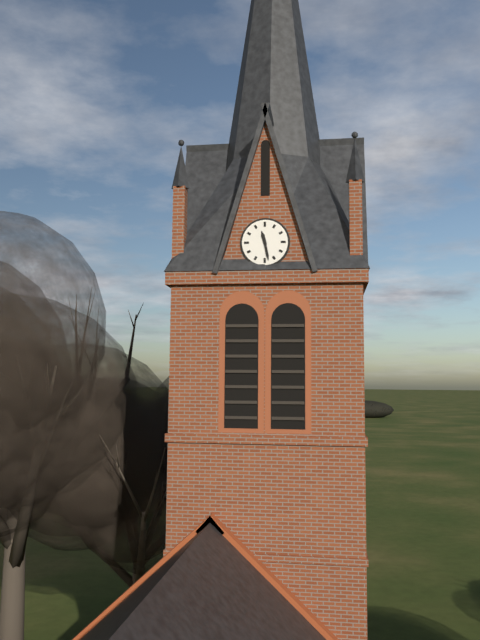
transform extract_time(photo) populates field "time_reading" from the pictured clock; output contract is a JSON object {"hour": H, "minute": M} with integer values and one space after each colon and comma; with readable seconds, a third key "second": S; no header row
{"hour": 11, "minute": 28}
